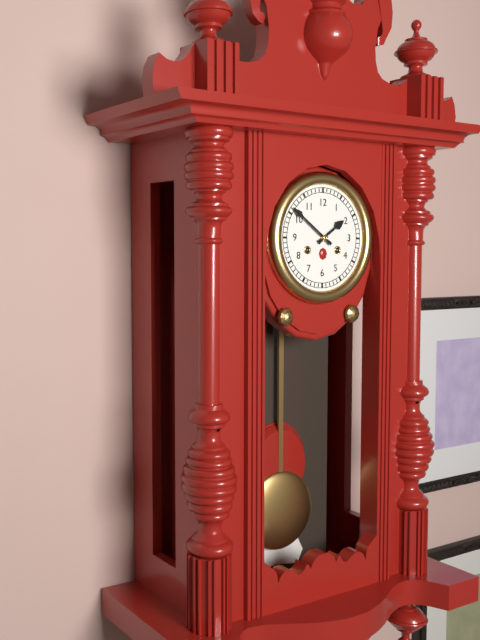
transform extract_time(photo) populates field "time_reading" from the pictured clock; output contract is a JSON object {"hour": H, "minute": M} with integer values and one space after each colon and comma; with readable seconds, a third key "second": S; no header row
{"hour": 1, "minute": 51}
